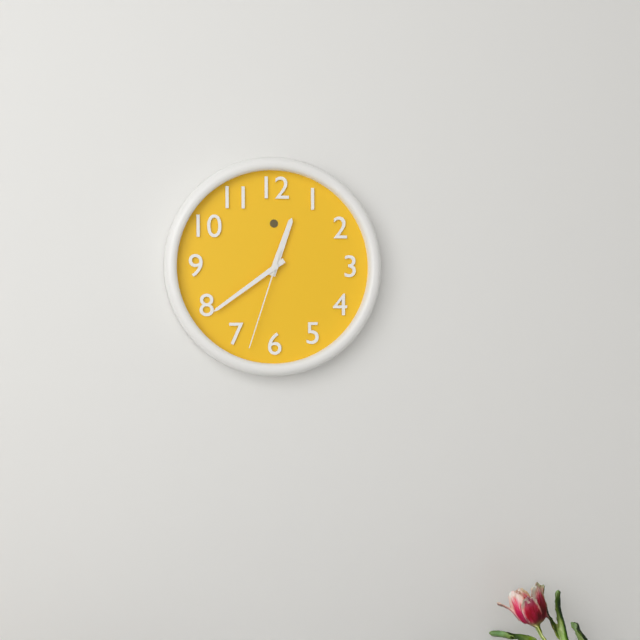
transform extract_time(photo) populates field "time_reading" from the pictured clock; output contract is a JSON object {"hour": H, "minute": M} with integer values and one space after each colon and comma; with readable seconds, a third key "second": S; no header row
{"hour": 12, "minute": 39, "second": 33}
